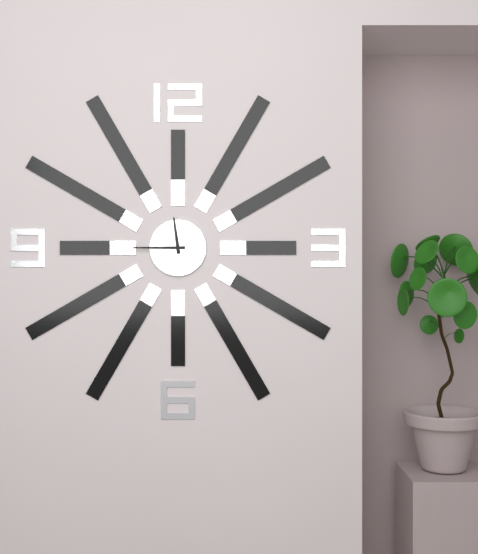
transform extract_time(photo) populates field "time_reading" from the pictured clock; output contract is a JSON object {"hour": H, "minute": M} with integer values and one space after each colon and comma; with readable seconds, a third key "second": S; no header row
{"hour": 11, "minute": 45}
